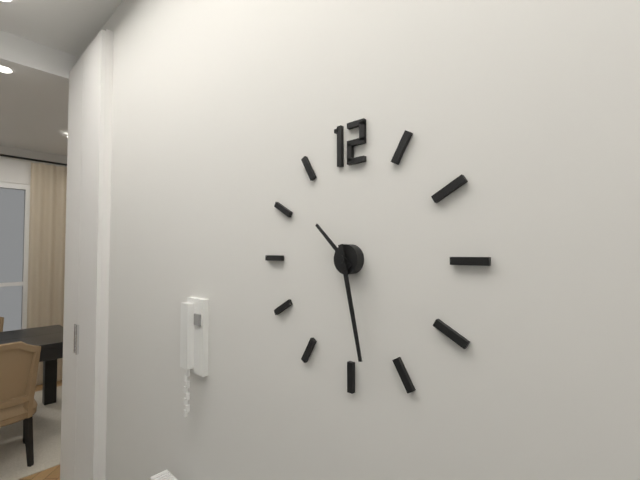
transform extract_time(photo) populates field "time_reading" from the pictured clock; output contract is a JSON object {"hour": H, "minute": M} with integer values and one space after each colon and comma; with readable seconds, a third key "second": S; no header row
{"hour": 10, "minute": 28}
